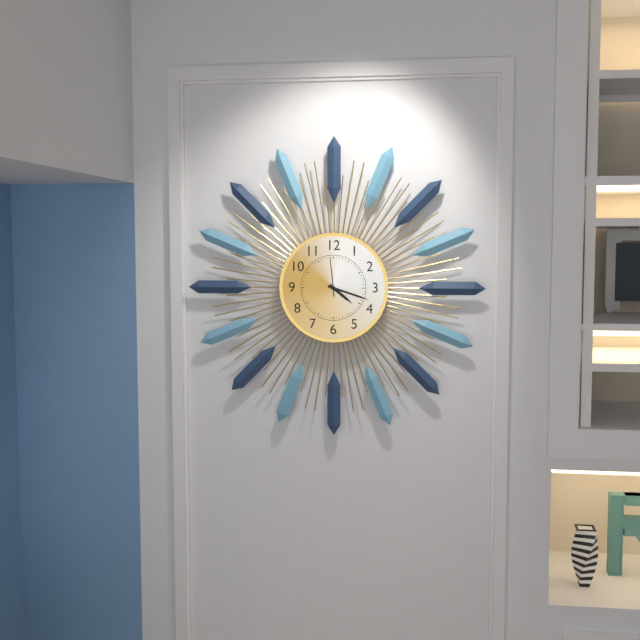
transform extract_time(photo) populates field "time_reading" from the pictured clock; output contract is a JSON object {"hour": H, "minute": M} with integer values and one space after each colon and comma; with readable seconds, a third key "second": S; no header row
{"hour": 4, "minute": 18}
